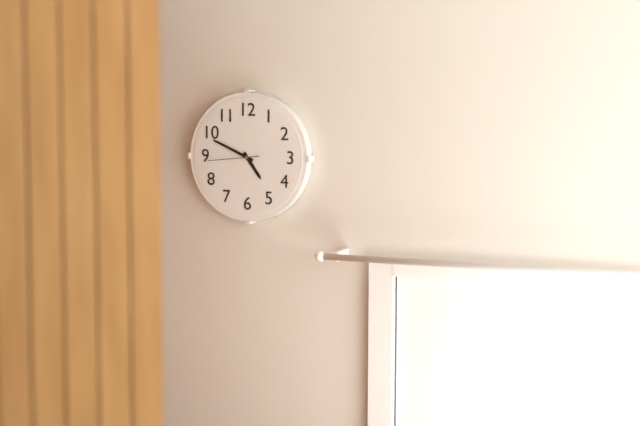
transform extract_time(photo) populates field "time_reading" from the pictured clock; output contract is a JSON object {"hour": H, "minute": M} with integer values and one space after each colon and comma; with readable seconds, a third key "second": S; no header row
{"hour": 4, "minute": 49, "second": 44}
